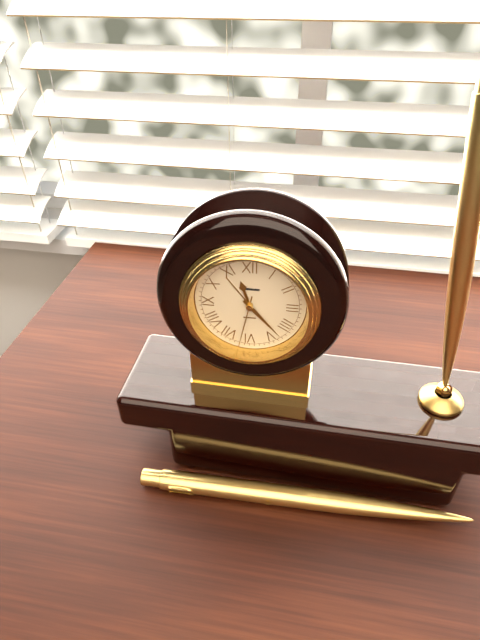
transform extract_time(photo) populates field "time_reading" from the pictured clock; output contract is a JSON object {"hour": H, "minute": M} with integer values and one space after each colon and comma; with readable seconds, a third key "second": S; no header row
{"hour": 11, "minute": 23}
